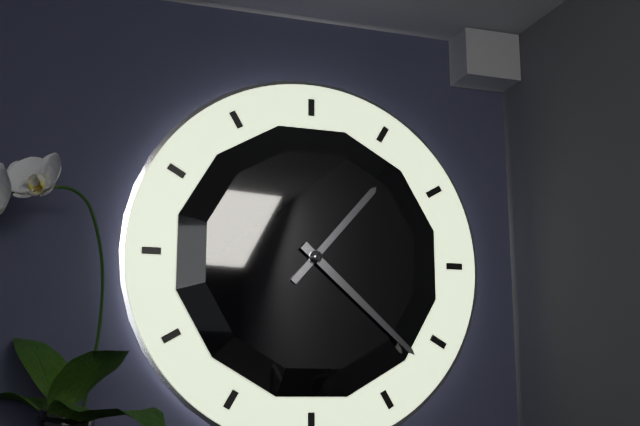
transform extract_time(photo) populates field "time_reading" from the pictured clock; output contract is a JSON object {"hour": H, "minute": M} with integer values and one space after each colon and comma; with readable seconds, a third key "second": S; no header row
{"hour": 1, "minute": 22}
